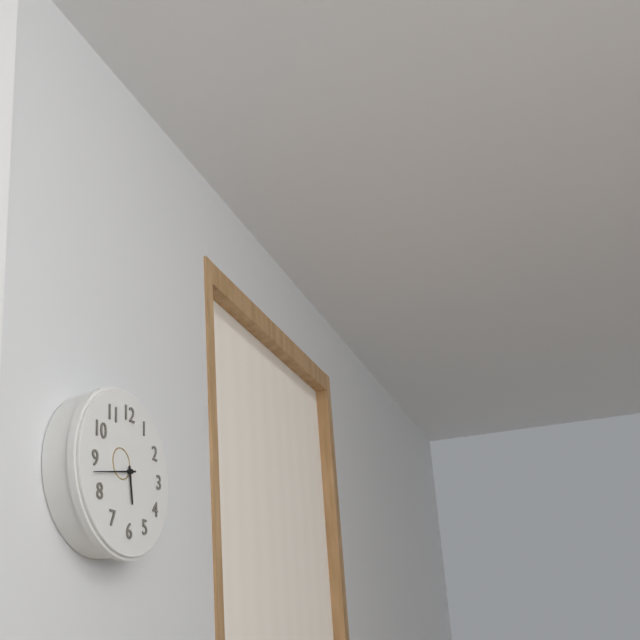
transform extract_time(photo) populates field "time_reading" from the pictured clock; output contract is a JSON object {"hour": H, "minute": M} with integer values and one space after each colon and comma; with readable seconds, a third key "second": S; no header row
{"hour": 5, "minute": 43}
